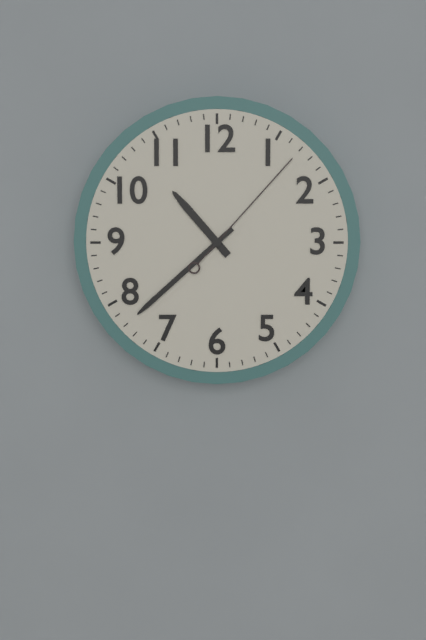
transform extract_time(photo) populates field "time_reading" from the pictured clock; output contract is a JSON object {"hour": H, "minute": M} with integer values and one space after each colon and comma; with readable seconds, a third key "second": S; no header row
{"hour": 10, "minute": 38, "second": 7}
